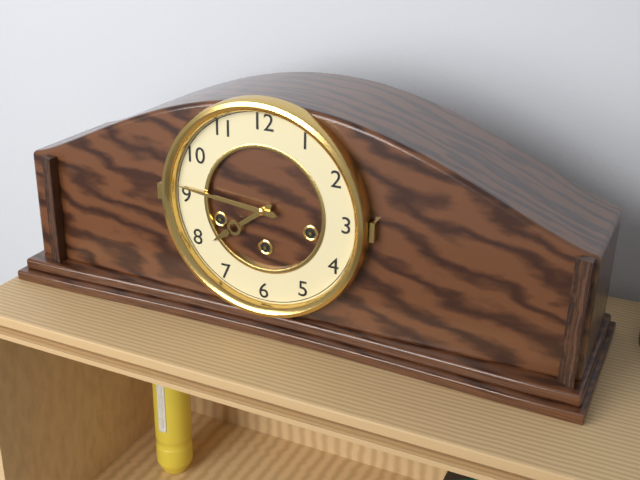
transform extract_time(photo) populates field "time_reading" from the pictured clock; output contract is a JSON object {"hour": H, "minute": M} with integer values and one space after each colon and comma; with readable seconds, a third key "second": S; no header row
{"hour": 7, "minute": 46}
